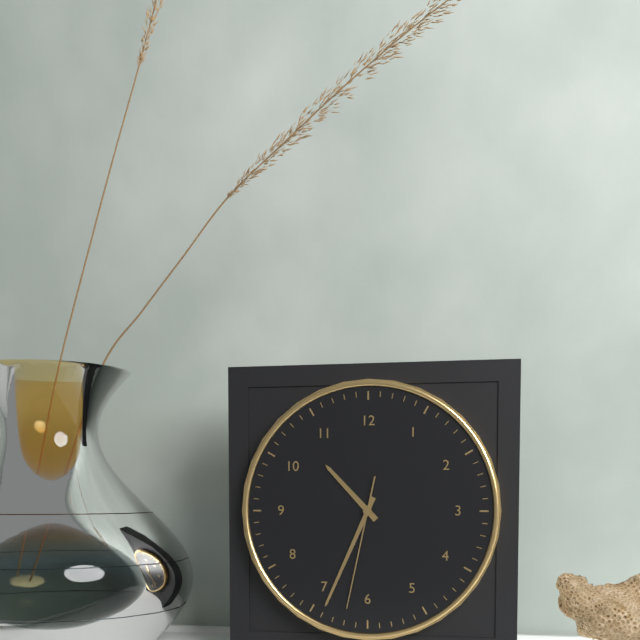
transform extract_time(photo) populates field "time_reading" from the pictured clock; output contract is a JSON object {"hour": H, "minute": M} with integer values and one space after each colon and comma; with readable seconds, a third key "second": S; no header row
{"hour": 10, "minute": 34, "second": 32}
